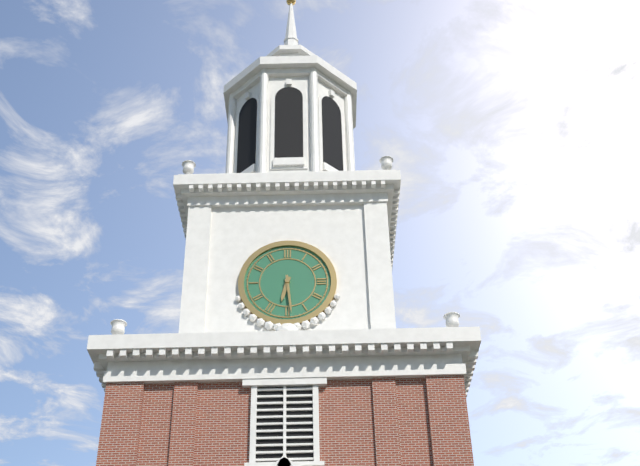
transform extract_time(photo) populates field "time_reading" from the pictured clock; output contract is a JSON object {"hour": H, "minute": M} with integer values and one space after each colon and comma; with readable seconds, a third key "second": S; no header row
{"hour": 6, "minute": 29}
